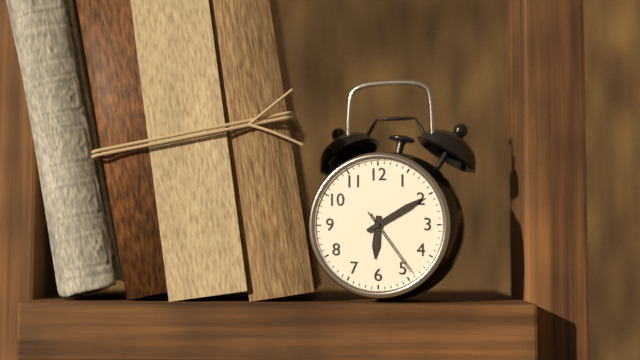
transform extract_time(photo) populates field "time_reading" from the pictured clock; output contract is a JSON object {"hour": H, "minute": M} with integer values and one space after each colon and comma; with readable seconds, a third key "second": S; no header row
{"hour": 6, "minute": 10, "second": 24}
